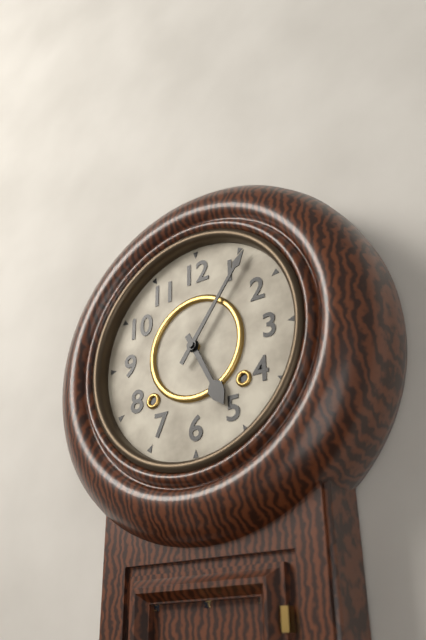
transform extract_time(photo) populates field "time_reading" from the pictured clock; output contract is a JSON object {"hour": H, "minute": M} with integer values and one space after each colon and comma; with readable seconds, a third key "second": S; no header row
{"hour": 5, "minute": 6}
